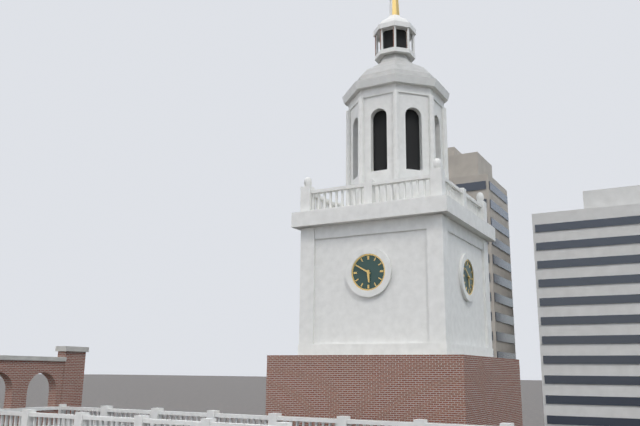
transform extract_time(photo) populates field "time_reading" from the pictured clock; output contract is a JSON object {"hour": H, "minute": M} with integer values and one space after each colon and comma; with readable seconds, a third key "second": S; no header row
{"hour": 5, "minute": 50}
